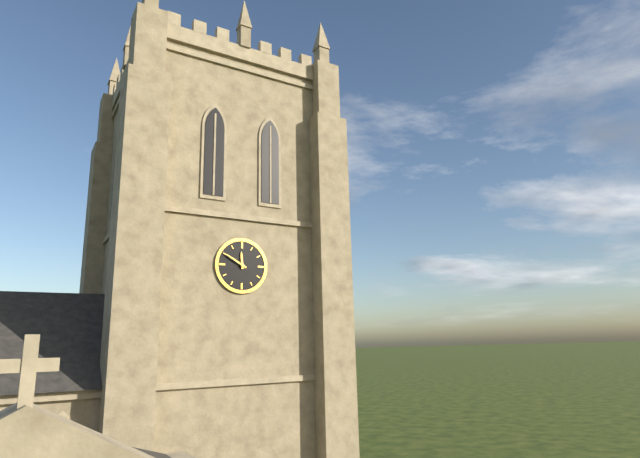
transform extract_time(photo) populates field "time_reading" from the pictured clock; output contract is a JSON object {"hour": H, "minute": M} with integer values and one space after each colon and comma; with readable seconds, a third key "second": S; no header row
{"hour": 11, "minute": 50}
